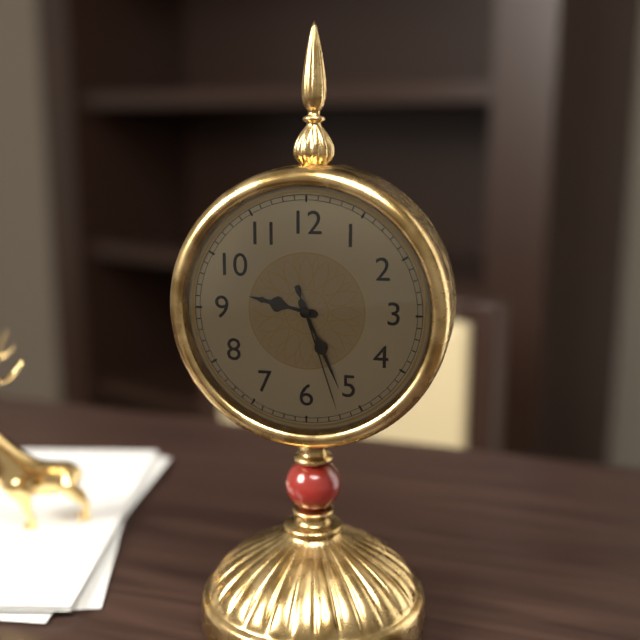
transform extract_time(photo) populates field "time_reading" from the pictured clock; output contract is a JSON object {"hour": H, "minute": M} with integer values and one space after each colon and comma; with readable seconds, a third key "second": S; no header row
{"hour": 9, "minute": 26, "second": 27}
